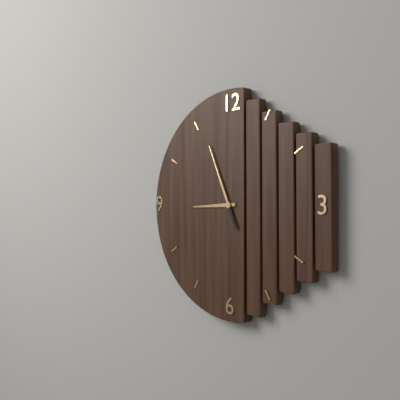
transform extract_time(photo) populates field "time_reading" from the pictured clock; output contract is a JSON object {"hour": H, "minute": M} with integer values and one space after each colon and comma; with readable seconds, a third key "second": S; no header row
{"hour": 8, "minute": 56}
